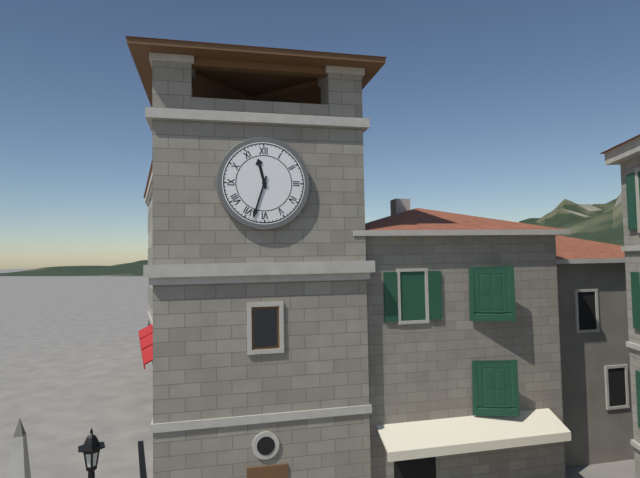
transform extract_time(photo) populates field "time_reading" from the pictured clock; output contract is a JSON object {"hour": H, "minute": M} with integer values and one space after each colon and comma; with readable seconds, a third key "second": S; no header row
{"hour": 11, "minute": 33}
